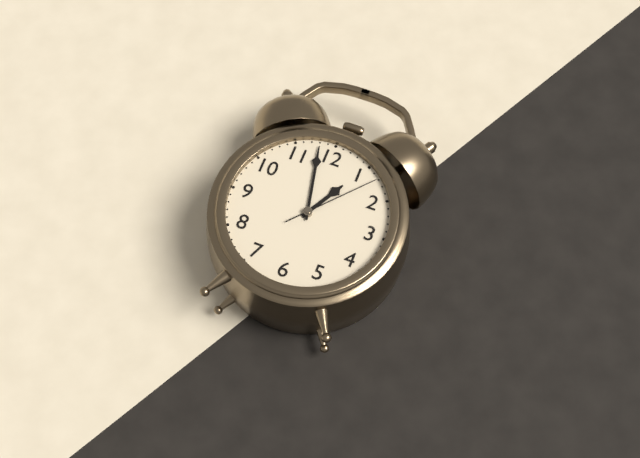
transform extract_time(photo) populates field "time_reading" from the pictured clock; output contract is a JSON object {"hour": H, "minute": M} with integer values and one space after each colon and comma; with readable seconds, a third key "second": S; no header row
{"hour": 12, "minute": 58, "second": 7}
